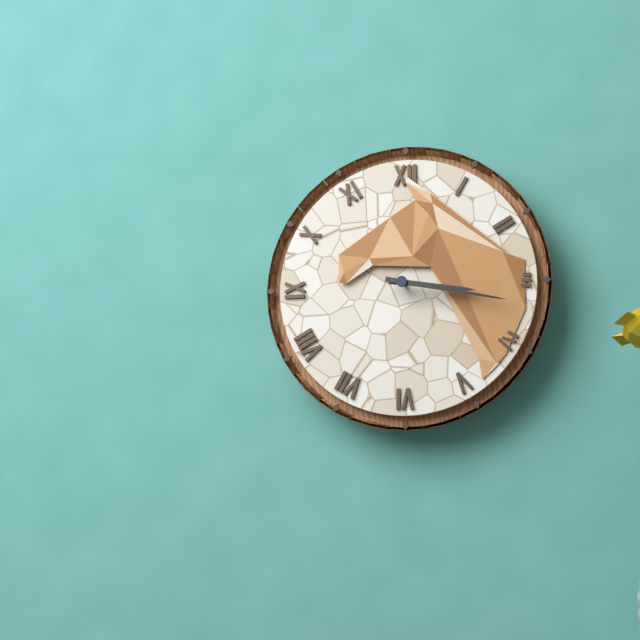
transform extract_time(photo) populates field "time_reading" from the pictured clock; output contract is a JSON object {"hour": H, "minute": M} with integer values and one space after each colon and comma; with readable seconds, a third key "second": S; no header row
{"hour": 3, "minute": 17}
